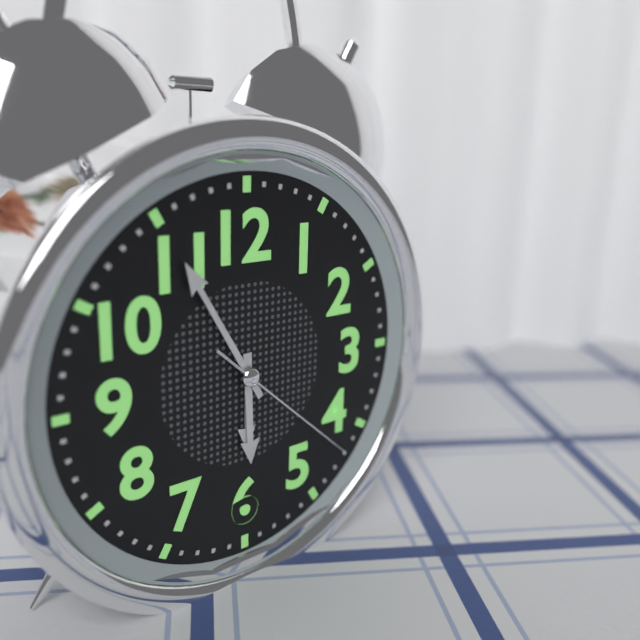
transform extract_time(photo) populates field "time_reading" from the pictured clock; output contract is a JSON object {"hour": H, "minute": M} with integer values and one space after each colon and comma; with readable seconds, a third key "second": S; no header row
{"hour": 5, "minute": 55, "second": 22}
